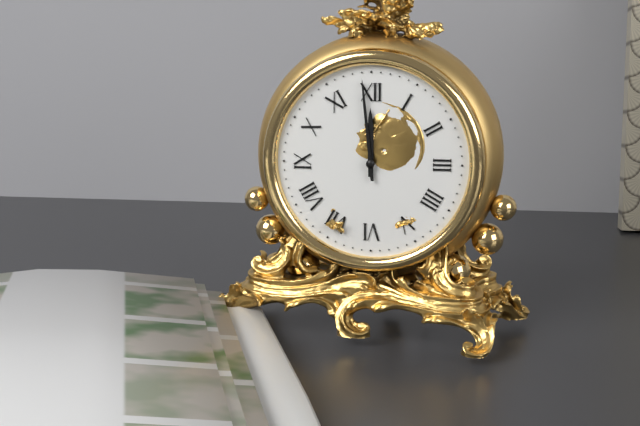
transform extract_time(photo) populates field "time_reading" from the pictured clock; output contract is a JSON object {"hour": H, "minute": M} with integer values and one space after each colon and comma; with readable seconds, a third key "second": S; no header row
{"hour": 11, "minute": 59}
